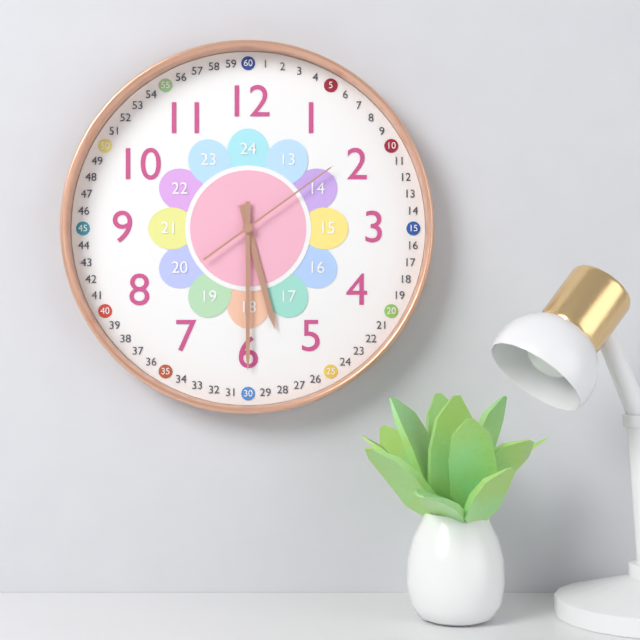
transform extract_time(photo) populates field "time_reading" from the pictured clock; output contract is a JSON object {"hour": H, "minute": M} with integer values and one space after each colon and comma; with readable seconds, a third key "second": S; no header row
{"hour": 5, "minute": 30, "second": 9}
